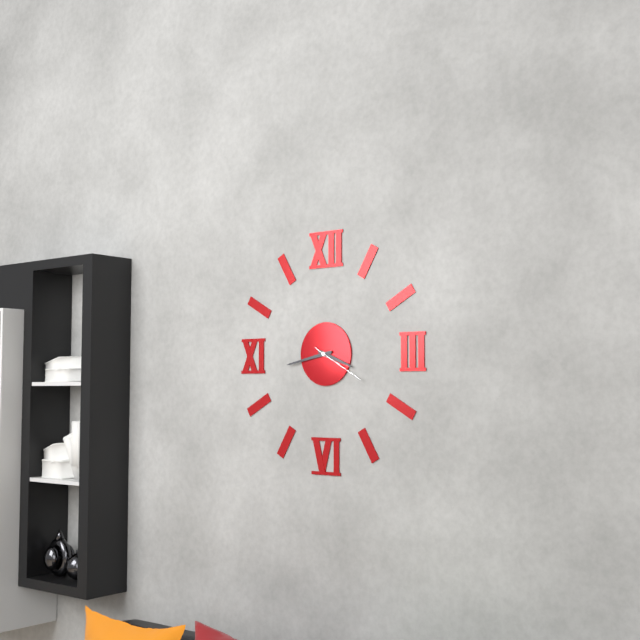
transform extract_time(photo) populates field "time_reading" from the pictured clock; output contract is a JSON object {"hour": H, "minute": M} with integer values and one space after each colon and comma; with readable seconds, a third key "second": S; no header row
{"hour": 3, "minute": 43, "second": 20}
